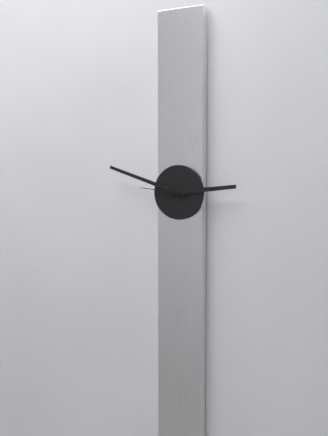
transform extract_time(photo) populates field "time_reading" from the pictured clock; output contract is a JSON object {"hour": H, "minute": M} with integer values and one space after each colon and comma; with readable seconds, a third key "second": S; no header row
{"hour": 2, "minute": 48}
